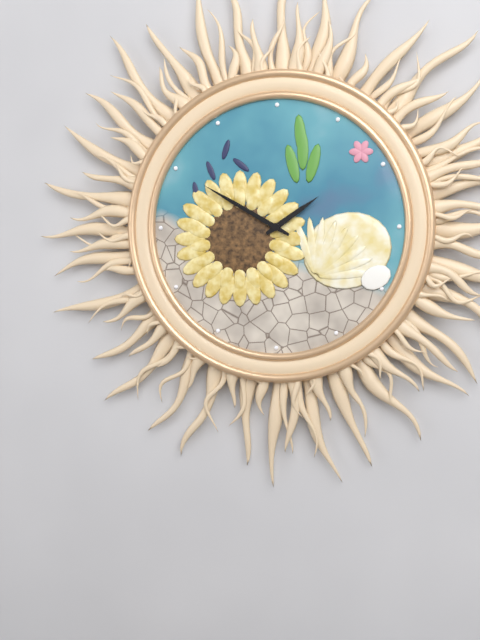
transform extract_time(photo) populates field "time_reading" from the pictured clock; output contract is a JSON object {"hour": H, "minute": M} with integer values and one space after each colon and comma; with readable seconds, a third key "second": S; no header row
{"hour": 1, "minute": 50}
